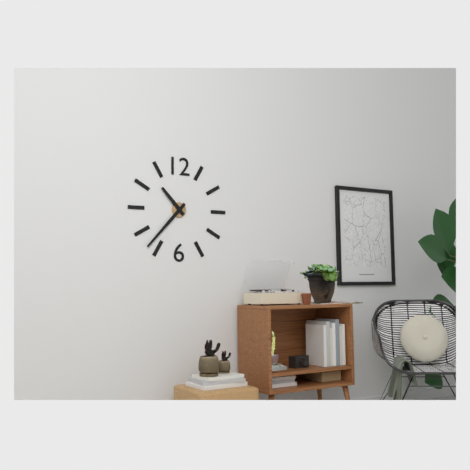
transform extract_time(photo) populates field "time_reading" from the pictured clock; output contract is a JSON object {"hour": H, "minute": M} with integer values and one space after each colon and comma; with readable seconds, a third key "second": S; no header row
{"hour": 10, "minute": 37}
